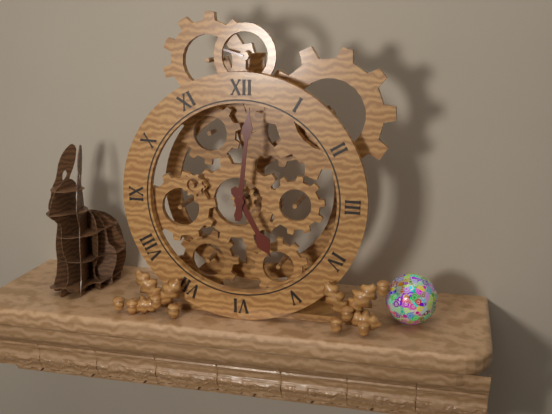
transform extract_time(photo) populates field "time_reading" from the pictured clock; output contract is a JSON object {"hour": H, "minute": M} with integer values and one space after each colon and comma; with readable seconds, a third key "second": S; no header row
{"hour": 5, "minute": 1}
